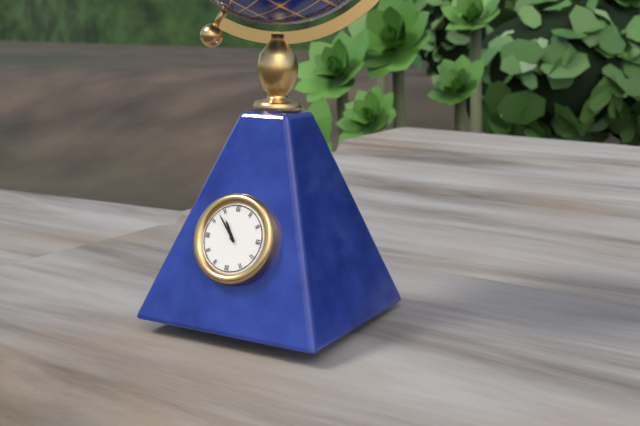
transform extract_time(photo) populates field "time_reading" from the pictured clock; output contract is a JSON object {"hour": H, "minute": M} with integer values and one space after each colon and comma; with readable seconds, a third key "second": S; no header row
{"hour": 10, "minute": 53}
